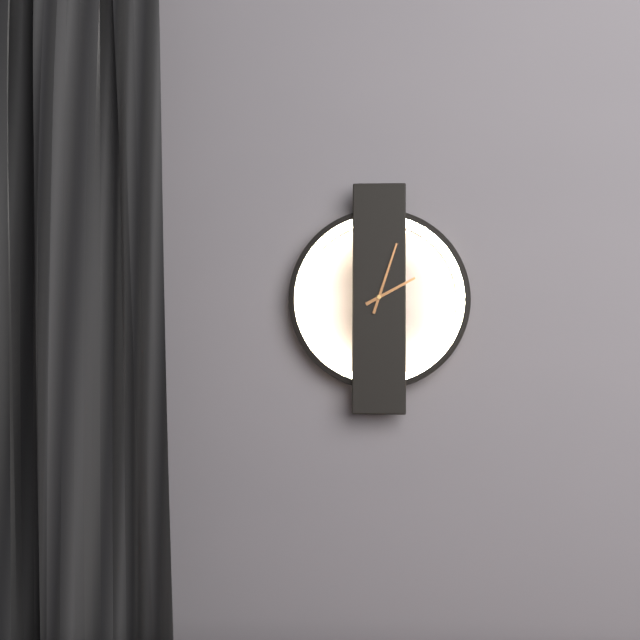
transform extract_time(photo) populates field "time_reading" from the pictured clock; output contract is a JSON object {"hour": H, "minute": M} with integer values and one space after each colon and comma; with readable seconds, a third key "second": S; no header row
{"hour": 2, "minute": 3}
